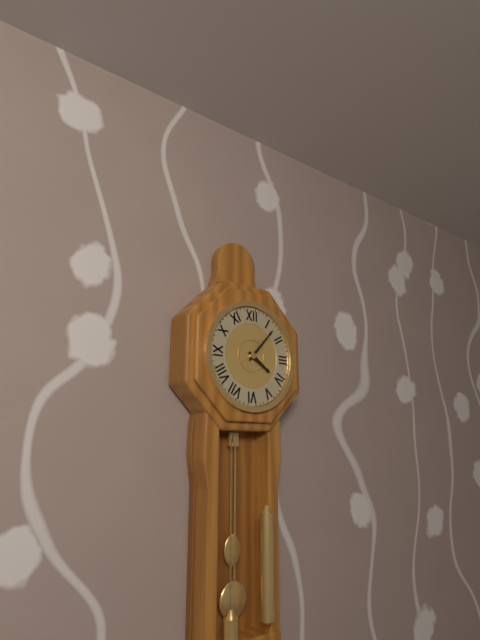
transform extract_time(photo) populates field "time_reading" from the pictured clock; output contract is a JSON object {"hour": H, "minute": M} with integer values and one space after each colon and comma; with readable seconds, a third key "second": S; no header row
{"hour": 4, "minute": 7}
